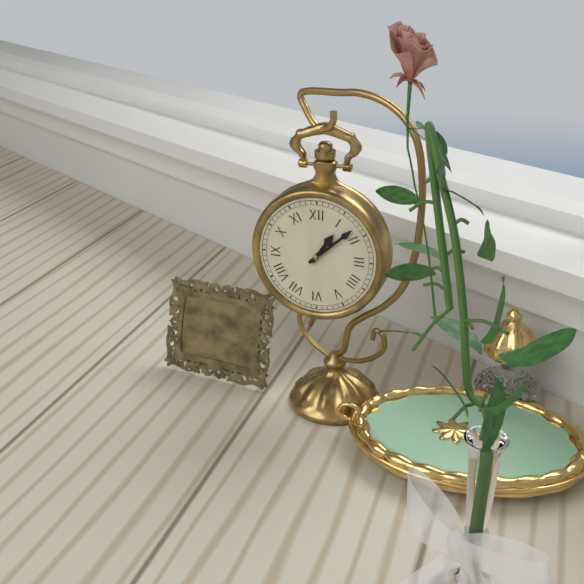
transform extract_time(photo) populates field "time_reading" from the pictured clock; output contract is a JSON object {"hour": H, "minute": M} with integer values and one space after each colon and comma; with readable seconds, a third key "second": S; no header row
{"hour": 1, "minute": 8}
